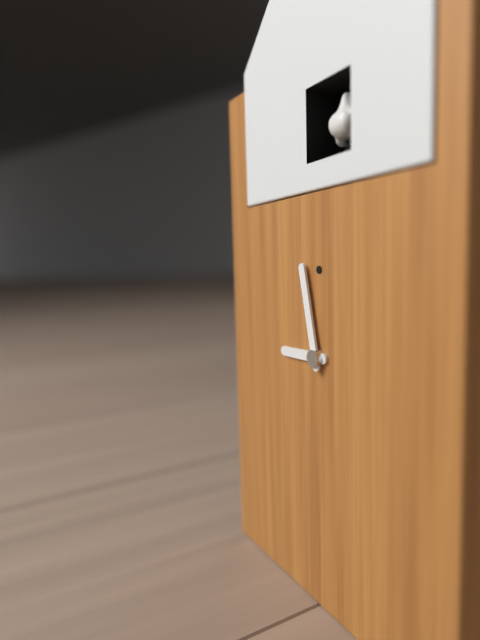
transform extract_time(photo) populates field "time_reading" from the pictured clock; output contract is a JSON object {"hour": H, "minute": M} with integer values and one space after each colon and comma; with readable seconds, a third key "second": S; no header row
{"hour": 8, "minute": 58}
